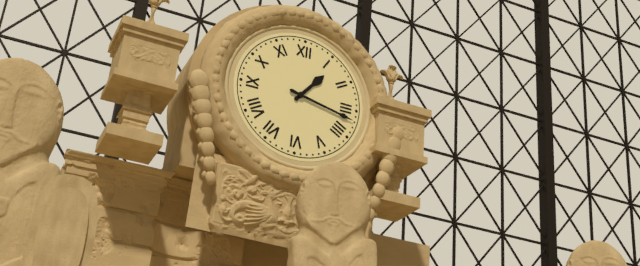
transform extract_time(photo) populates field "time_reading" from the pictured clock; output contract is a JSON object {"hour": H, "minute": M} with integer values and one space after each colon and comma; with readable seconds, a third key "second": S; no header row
{"hour": 1, "minute": 17}
